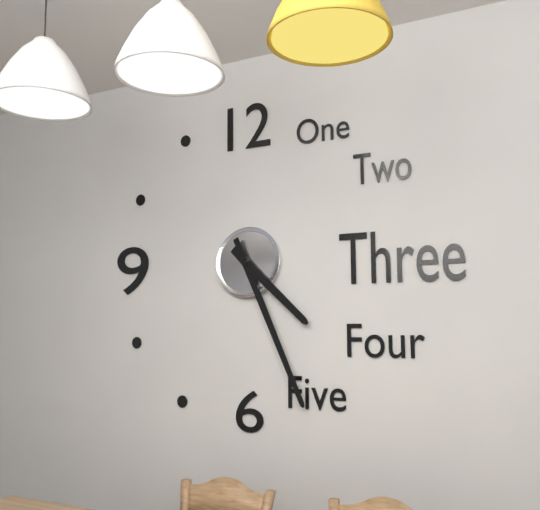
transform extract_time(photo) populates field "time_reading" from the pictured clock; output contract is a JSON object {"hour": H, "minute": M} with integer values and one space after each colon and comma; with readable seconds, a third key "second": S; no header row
{"hour": 4, "minute": 26}
